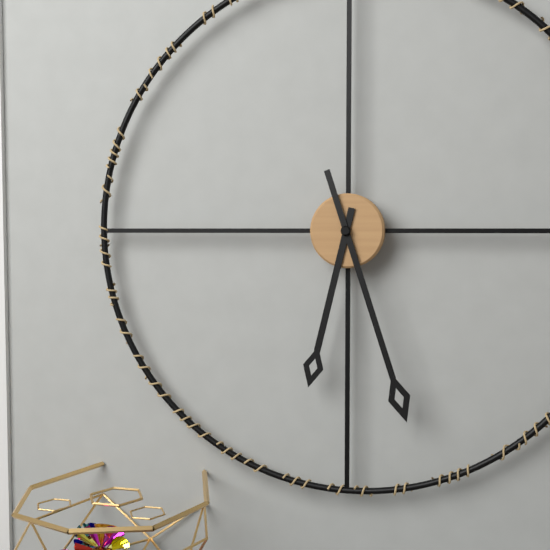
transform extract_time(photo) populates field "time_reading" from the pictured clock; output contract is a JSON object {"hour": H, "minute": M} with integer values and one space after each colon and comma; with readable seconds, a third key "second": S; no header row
{"hour": 6, "minute": 27}
